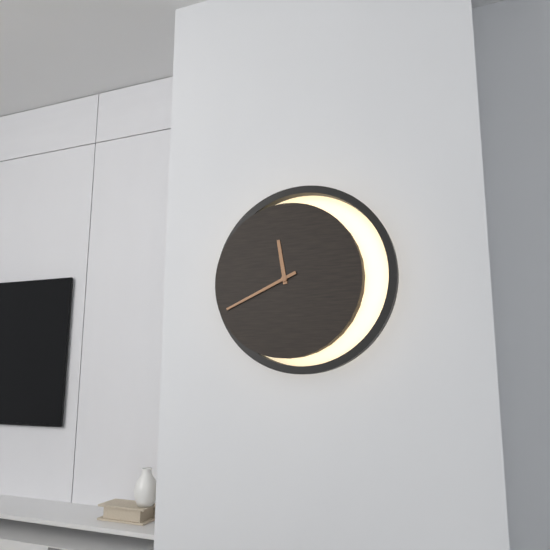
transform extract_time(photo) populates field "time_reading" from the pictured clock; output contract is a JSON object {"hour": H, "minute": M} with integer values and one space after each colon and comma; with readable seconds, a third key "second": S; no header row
{"hour": 11, "minute": 41}
